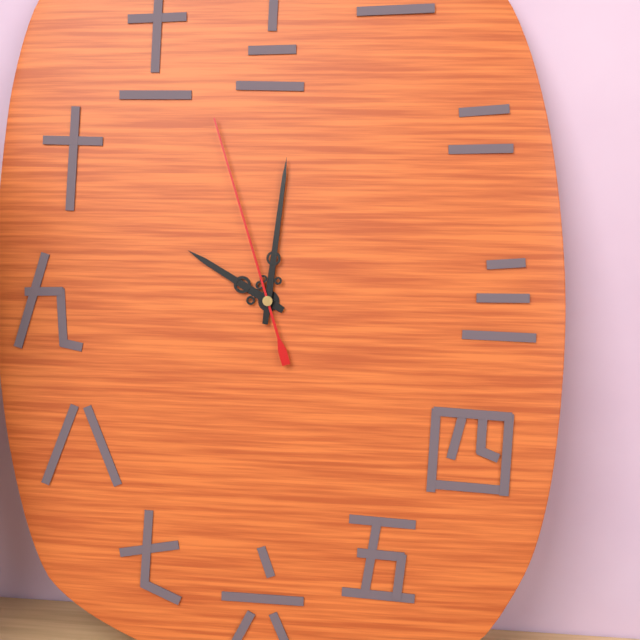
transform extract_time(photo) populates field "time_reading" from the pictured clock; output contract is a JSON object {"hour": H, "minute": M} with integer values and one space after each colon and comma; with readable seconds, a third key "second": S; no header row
{"hour": 10, "minute": 1, "second": 57}
